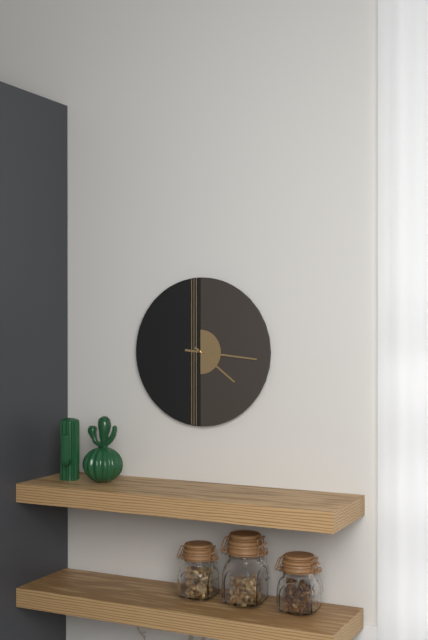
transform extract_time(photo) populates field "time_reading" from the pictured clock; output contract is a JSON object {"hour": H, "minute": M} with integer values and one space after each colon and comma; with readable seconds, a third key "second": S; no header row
{"hour": 4, "minute": 16}
